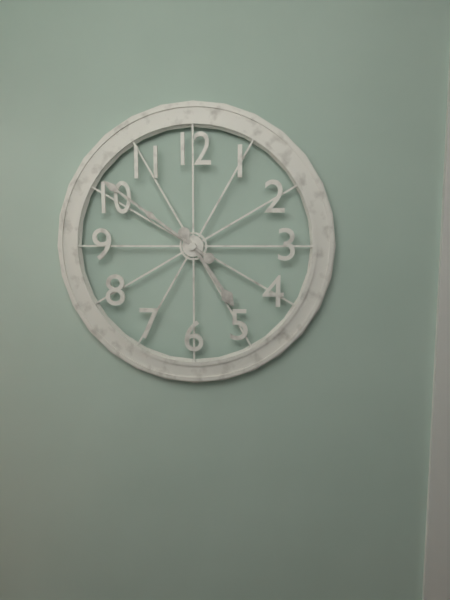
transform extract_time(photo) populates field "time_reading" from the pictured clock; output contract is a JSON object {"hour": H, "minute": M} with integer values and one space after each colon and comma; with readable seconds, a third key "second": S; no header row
{"hour": 4, "minute": 51}
